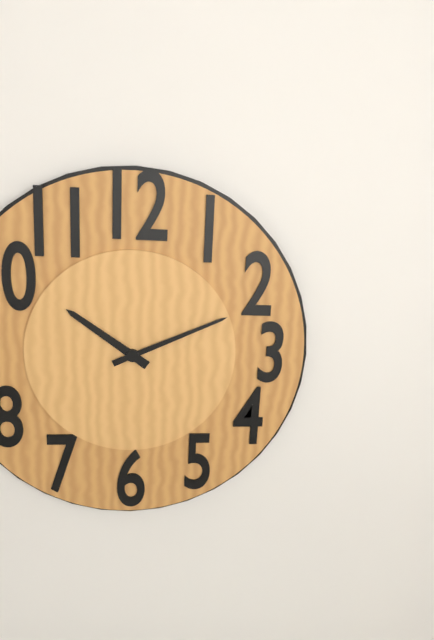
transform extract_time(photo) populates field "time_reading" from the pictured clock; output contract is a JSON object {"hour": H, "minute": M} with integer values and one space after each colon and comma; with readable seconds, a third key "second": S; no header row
{"hour": 10, "minute": 11}
